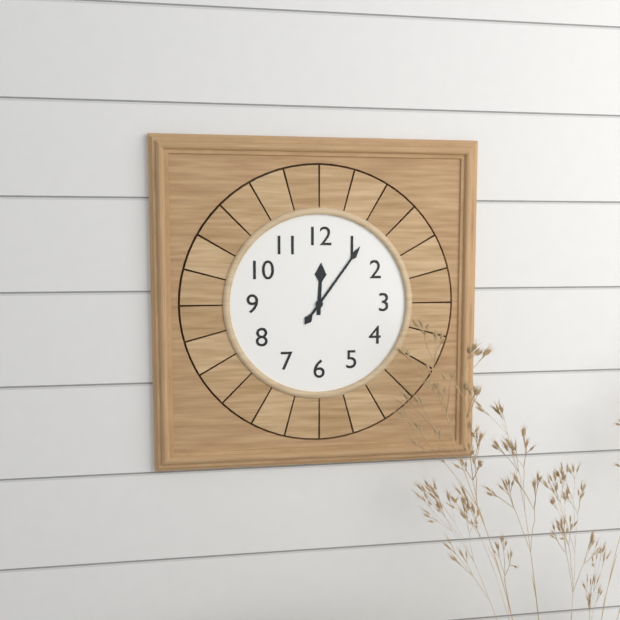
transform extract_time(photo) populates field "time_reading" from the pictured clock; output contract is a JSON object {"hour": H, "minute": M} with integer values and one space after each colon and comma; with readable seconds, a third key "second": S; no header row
{"hour": 12, "minute": 6}
